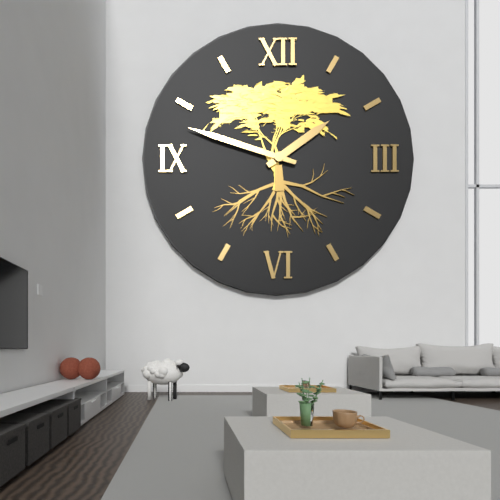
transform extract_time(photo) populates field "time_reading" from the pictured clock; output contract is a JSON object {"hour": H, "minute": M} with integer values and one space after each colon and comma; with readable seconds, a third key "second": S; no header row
{"hour": 1, "minute": 48}
